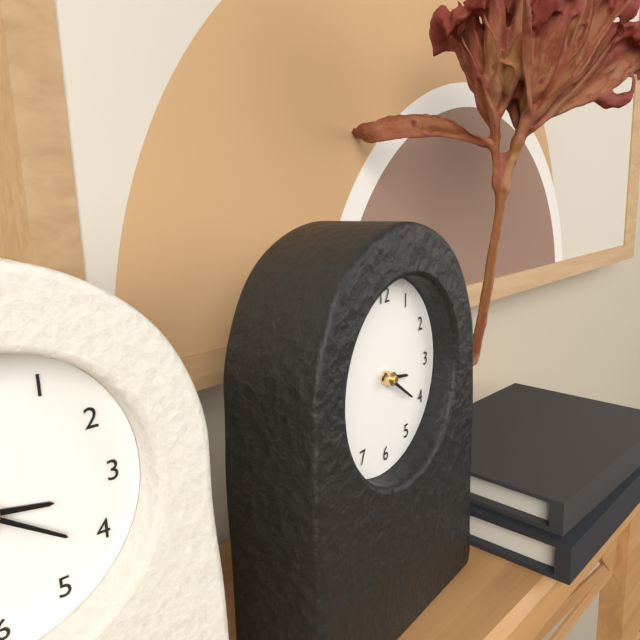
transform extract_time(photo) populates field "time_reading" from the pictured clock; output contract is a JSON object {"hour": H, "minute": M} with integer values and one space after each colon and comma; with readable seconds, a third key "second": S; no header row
{"hour": 3, "minute": 21}
